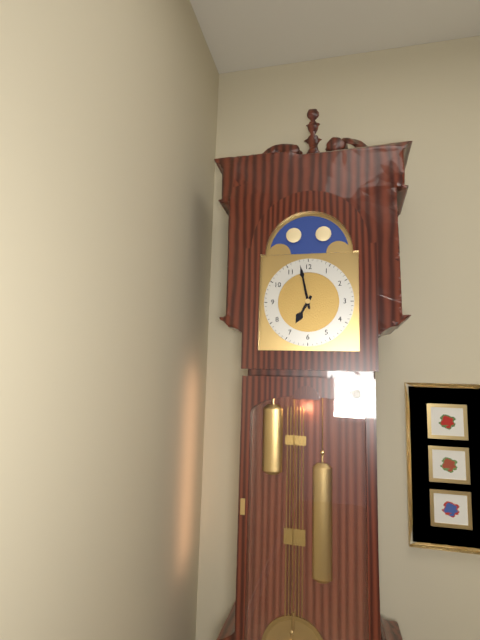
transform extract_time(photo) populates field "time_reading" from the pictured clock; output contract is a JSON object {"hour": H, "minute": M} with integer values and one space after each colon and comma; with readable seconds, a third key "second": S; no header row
{"hour": 6, "minute": 58}
